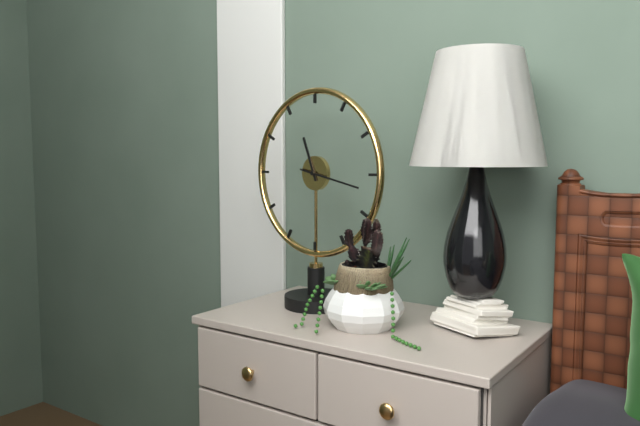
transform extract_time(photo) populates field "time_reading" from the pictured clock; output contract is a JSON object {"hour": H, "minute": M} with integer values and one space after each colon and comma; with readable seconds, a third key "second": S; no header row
{"hour": 11, "minute": 17}
